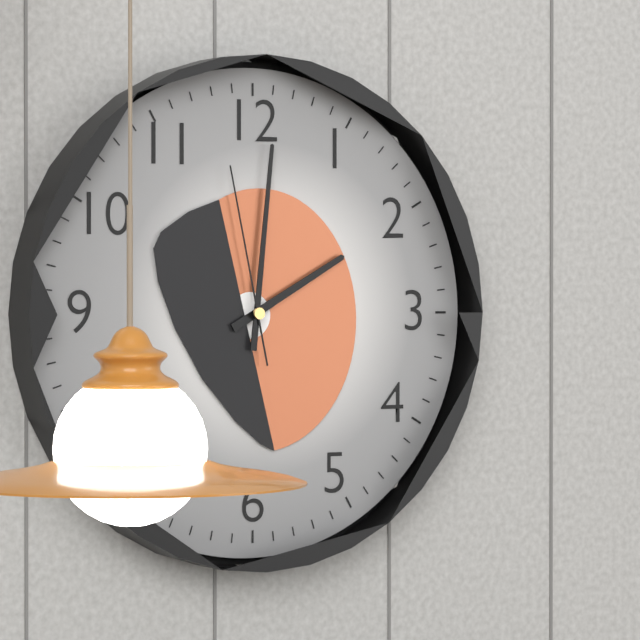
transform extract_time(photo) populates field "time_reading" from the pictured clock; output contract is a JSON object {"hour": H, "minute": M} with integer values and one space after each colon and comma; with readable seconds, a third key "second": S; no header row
{"hour": 2, "minute": 1, "second": 58}
